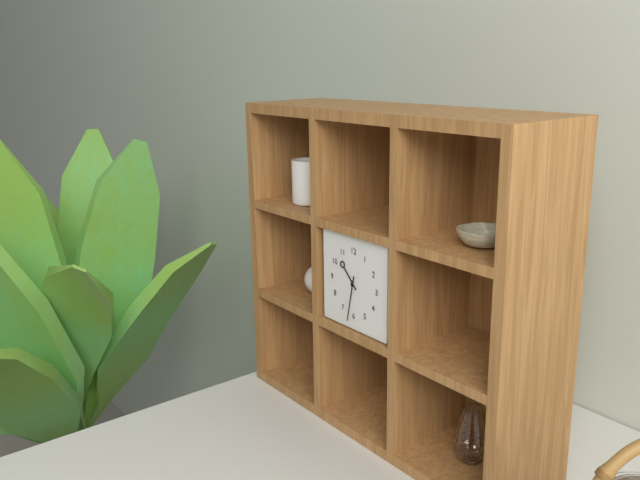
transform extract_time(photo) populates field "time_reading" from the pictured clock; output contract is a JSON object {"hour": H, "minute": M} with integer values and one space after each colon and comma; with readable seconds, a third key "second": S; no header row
{"hour": 10, "minute": 32}
